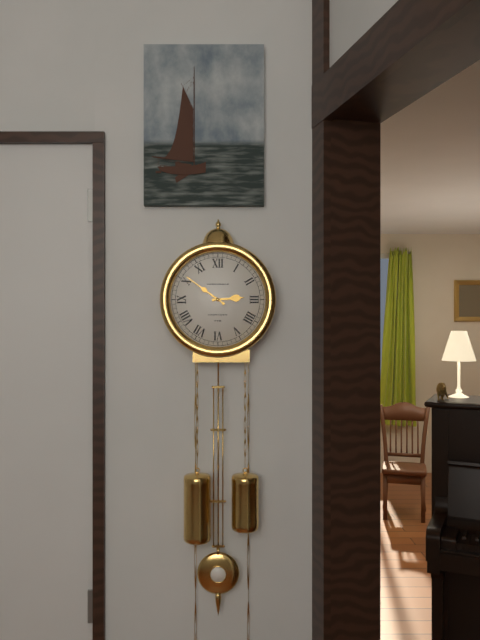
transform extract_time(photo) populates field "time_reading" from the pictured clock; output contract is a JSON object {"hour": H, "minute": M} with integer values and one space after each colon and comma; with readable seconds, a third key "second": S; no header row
{"hour": 2, "minute": 51}
